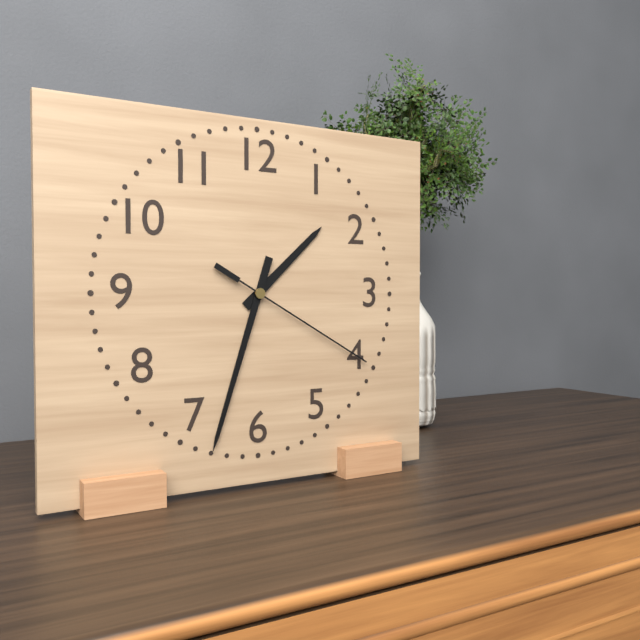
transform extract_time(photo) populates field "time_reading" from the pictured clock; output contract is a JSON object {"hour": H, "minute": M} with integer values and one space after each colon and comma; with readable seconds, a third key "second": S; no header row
{"hour": 1, "minute": 33, "second": 20}
